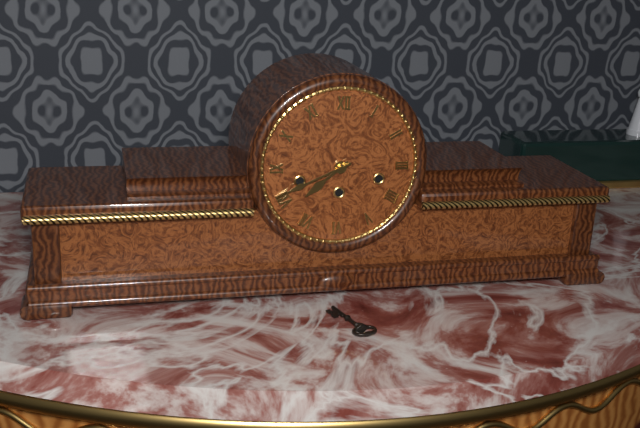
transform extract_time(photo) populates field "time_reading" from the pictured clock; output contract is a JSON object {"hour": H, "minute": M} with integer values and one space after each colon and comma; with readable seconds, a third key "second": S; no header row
{"hour": 7, "minute": 41}
